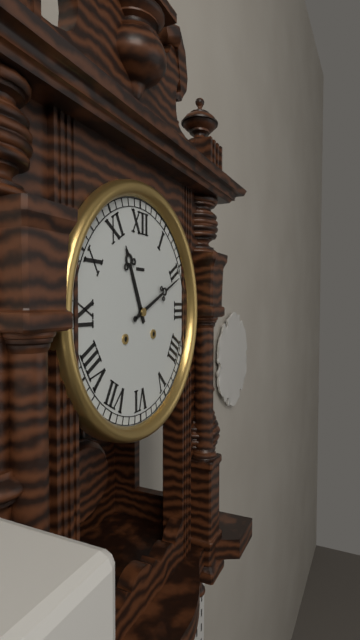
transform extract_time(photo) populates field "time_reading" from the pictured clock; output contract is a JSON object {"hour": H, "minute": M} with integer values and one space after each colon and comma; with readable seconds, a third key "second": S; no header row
{"hour": 11, "minute": 11}
